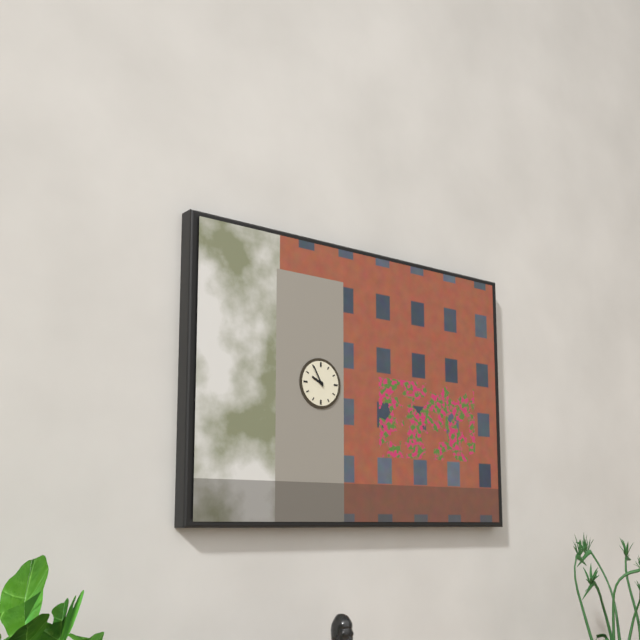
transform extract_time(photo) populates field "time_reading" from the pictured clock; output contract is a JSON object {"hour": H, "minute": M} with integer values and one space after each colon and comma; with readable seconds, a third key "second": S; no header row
{"hour": 9, "minute": 55}
